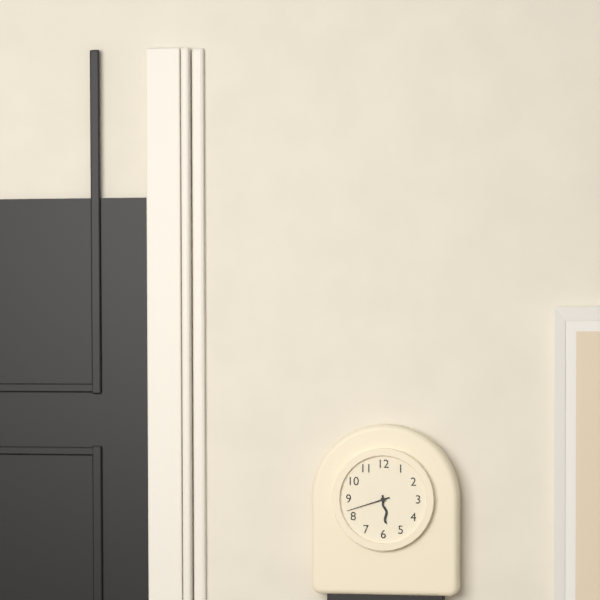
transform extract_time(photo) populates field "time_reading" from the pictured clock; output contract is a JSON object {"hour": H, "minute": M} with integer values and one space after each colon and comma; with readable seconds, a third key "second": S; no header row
{"hour": 5, "minute": 42}
